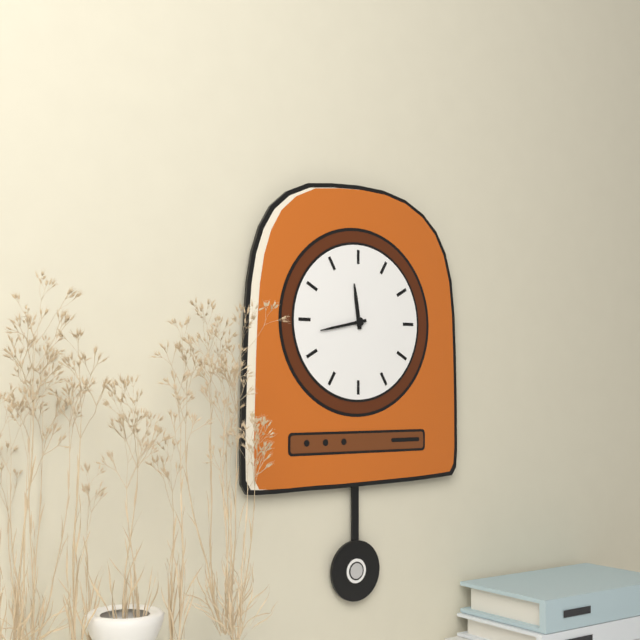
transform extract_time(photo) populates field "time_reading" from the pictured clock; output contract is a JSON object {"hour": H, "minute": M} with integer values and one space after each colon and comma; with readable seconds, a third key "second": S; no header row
{"hour": 11, "minute": 43}
